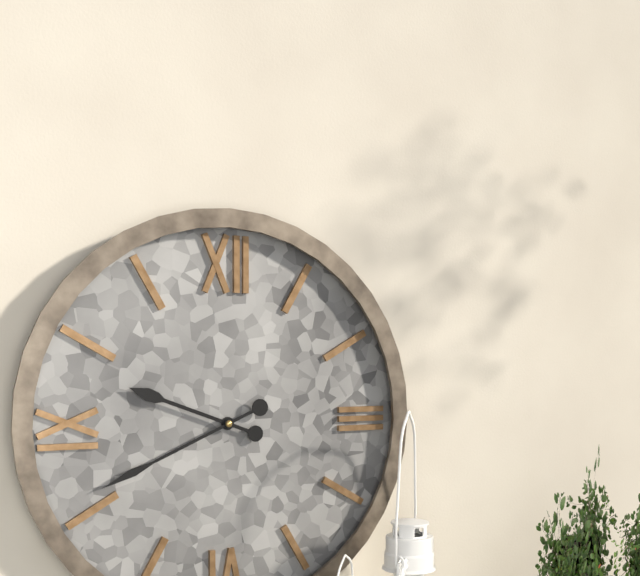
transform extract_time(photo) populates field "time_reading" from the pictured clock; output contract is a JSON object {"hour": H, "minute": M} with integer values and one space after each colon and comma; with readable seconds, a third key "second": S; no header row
{"hour": 9, "minute": 41}
